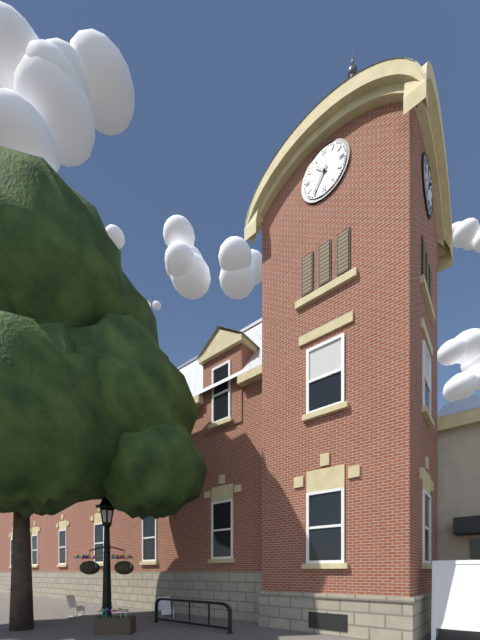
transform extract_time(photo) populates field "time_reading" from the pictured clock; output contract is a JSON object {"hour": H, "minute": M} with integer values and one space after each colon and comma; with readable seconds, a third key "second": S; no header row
{"hour": 10, "minute": 36}
